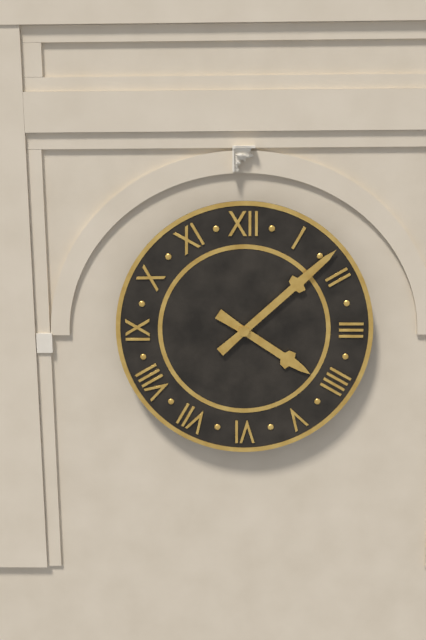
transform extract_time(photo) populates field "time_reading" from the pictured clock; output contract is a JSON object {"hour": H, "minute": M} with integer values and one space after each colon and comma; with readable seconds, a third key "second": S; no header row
{"hour": 4, "minute": 8}
